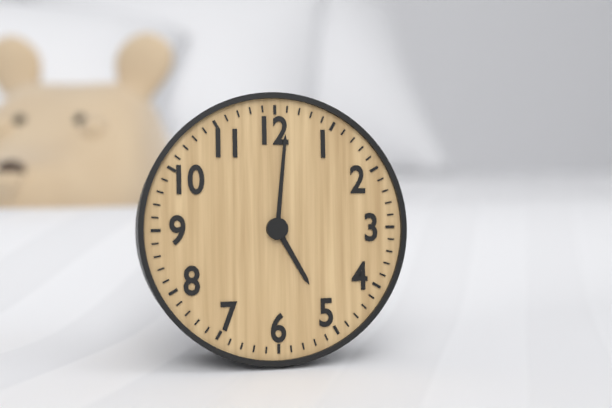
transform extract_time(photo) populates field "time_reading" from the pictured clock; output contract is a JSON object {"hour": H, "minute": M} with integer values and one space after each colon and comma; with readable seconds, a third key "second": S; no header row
{"hour": 5, "minute": 1}
